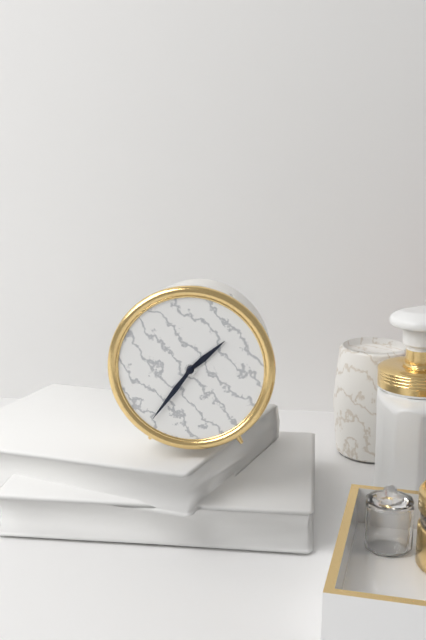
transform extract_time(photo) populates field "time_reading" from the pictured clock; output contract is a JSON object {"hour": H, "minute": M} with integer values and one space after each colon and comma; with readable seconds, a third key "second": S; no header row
{"hour": 1, "minute": 36}
